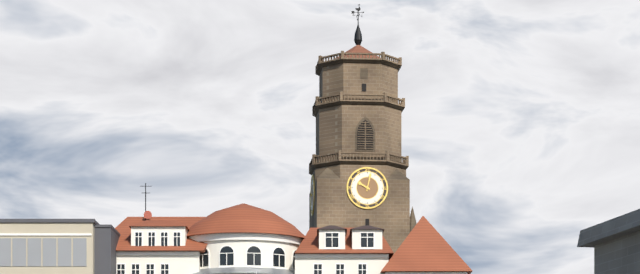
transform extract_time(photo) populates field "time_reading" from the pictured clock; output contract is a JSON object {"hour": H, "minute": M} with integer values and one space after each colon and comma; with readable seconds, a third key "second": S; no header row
{"hour": 10, "minute": 2}
